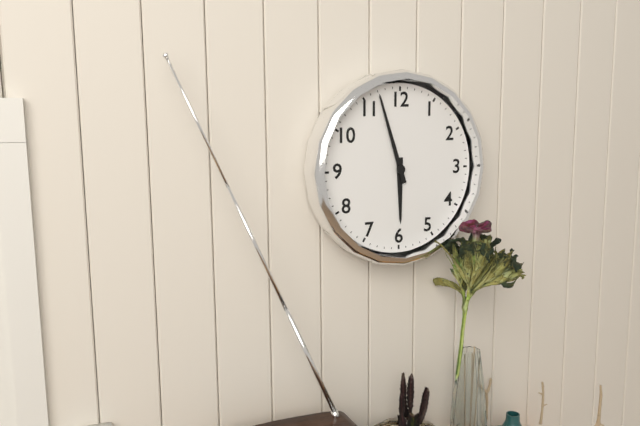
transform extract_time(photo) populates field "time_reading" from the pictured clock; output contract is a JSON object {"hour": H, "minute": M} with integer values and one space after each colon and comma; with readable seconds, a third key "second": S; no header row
{"hour": 5, "minute": 57}
